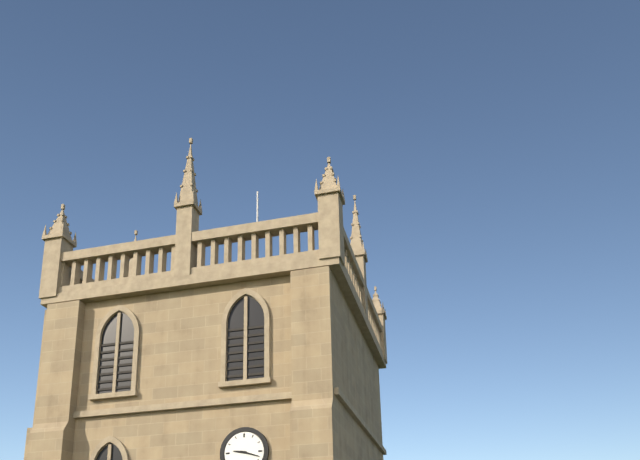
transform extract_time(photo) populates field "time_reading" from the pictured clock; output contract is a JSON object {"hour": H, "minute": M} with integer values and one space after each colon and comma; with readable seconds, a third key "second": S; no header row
{"hour": 9, "minute": 18}
